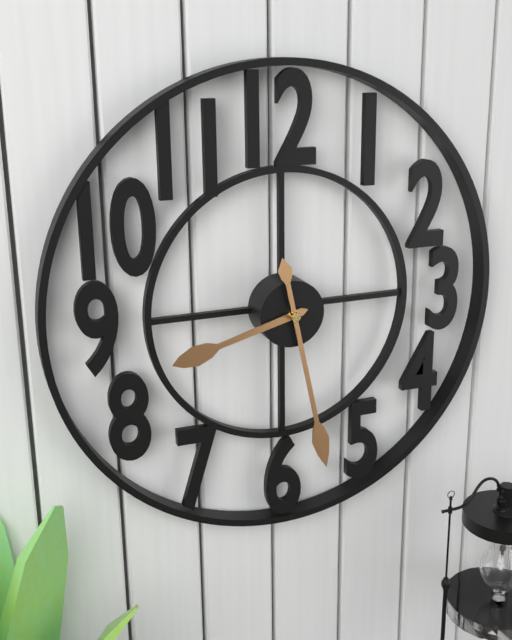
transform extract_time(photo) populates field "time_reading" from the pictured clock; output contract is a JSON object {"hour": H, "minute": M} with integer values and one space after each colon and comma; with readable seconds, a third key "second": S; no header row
{"hour": 8, "minute": 28}
